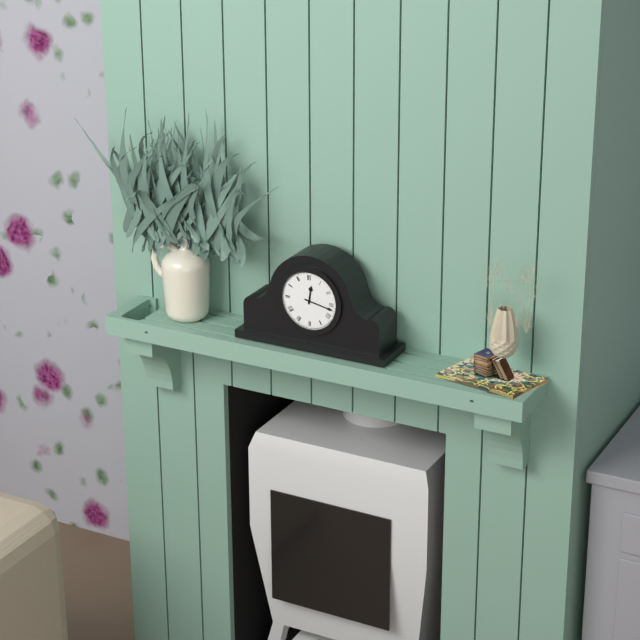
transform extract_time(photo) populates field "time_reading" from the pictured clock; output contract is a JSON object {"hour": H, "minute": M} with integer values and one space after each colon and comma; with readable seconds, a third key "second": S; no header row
{"hour": 12, "minute": 17}
